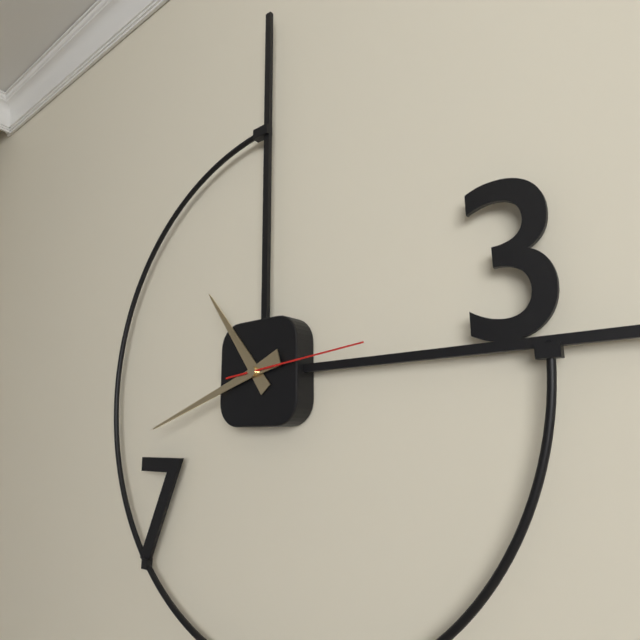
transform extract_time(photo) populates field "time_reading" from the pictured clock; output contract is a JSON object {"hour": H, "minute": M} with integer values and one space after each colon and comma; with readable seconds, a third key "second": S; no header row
{"hour": 10, "minute": 42, "second": 14}
